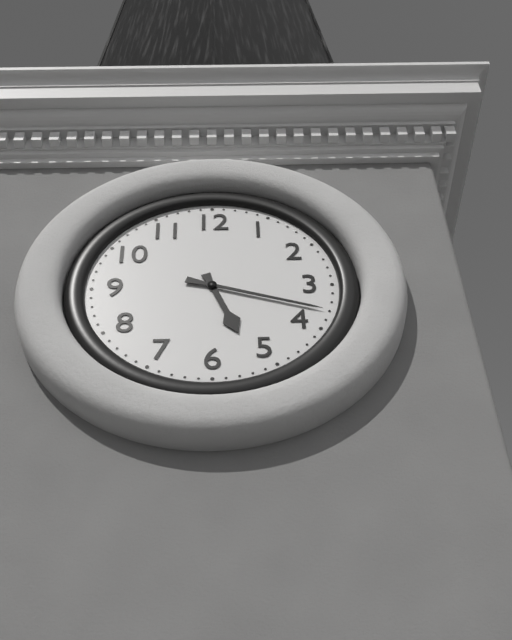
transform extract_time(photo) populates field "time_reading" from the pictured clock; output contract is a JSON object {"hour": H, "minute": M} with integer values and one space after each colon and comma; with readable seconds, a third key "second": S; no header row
{"hour": 5, "minute": 18}
